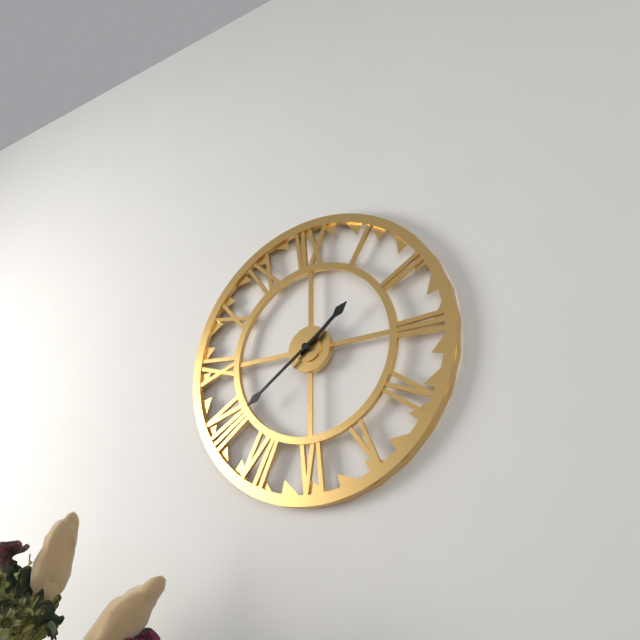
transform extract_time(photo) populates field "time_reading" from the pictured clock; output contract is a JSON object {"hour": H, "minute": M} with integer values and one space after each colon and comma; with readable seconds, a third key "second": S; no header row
{"hour": 1, "minute": 39}
